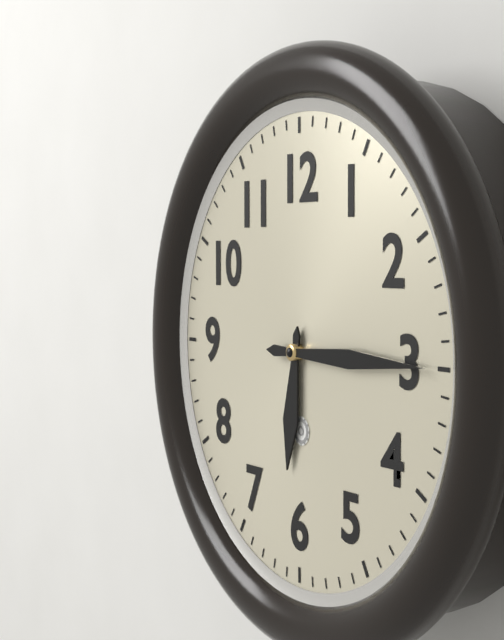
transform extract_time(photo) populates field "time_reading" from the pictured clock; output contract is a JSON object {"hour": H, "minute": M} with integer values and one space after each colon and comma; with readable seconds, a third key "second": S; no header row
{"hour": 6, "minute": 15}
